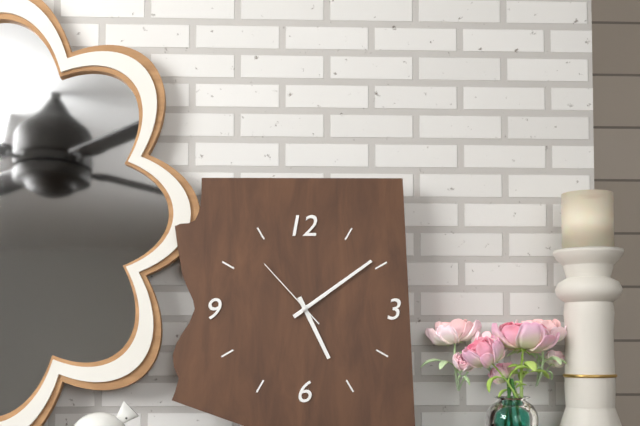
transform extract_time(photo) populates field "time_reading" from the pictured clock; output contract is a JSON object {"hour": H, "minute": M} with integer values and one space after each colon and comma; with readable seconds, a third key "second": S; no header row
{"hour": 5, "minute": 9, "second": 53}
